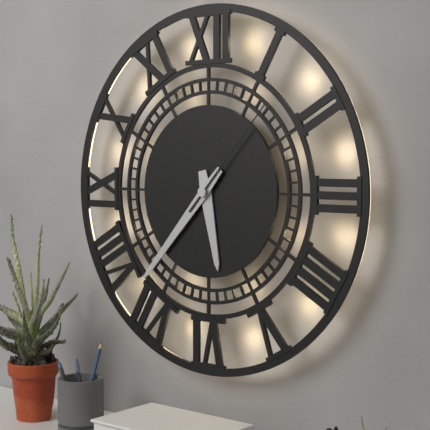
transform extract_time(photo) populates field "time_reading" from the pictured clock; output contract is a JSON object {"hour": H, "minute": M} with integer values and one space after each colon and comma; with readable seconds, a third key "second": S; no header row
{"hour": 5, "minute": 37, "second": 7}
